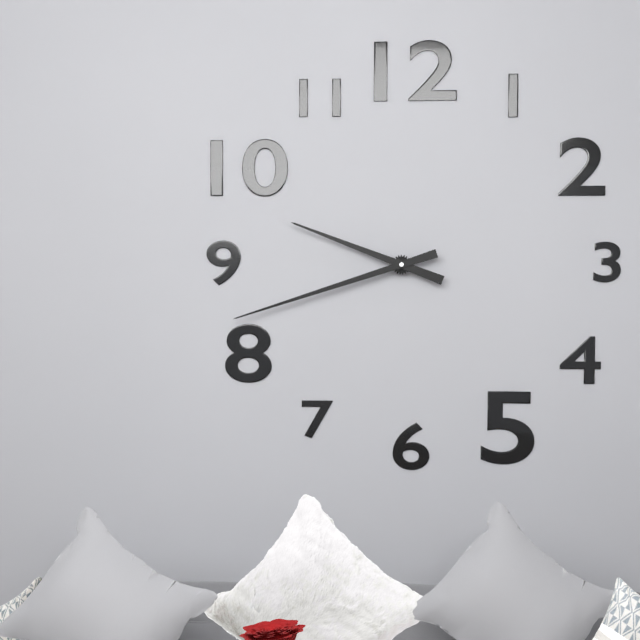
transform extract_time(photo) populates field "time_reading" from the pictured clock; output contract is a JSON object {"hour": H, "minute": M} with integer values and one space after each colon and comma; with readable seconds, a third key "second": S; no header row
{"hour": 9, "minute": 42}
